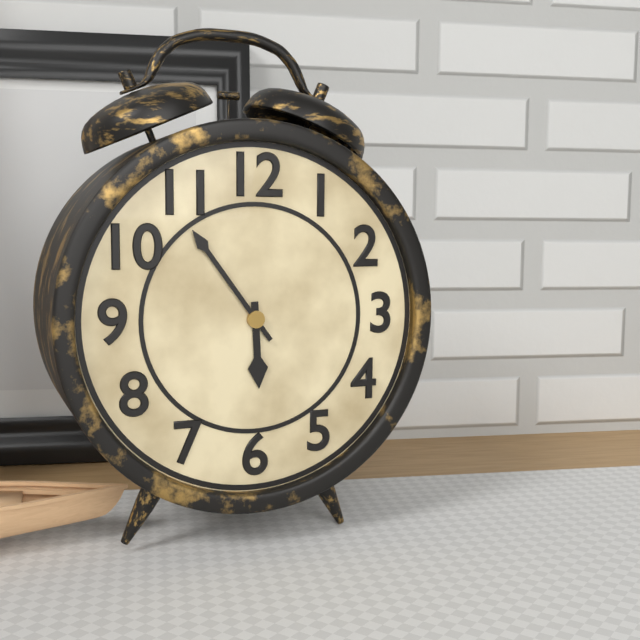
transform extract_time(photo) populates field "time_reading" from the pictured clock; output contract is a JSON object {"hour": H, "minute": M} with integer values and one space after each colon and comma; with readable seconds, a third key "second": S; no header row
{"hour": 5, "minute": 54}
